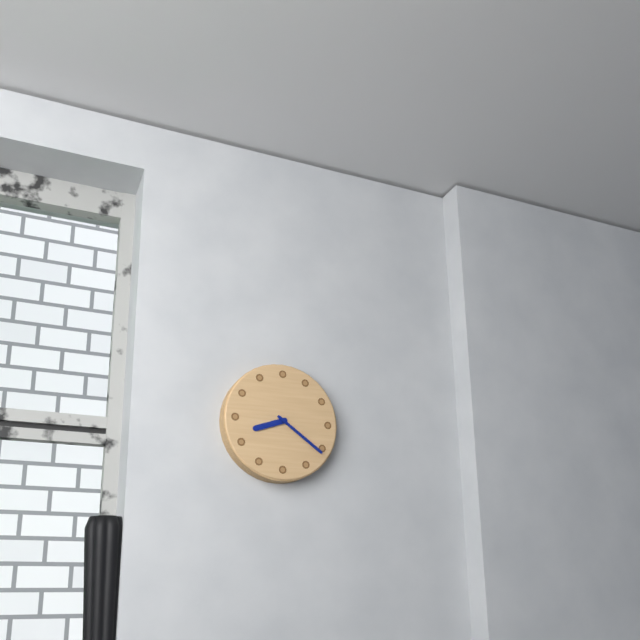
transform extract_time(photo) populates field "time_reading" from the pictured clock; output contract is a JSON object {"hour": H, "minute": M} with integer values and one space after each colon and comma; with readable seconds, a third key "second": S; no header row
{"hour": 8, "minute": 21}
